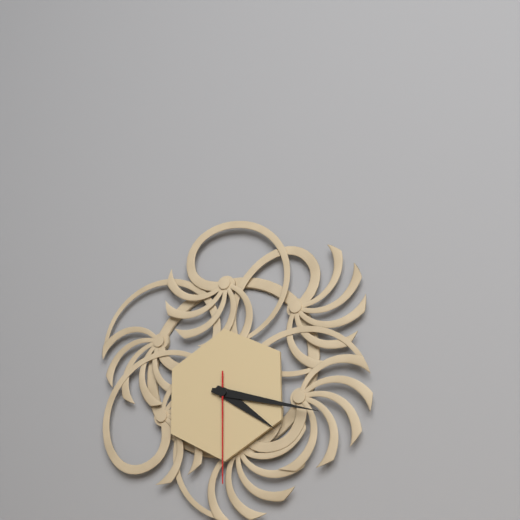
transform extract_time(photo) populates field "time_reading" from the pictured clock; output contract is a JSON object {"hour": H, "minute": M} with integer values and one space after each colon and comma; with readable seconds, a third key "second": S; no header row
{"hour": 4, "minute": 18, "second": 30}
